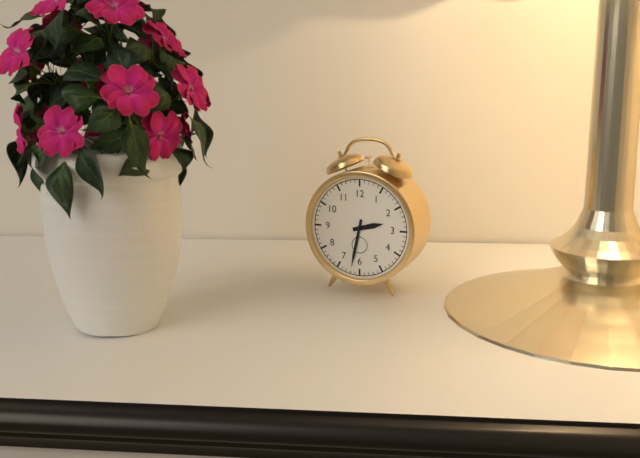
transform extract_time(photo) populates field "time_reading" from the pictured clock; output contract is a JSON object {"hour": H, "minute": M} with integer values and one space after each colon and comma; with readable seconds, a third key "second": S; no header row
{"hour": 2, "minute": 32}
